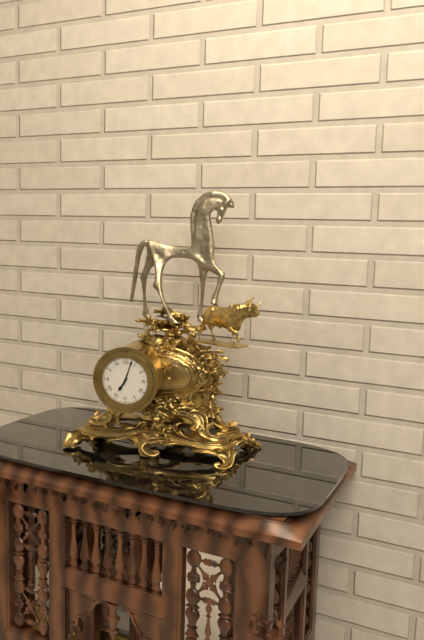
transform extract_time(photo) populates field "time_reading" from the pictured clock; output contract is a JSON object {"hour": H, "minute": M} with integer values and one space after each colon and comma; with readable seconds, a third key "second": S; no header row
{"hour": 7, "minute": 3}
